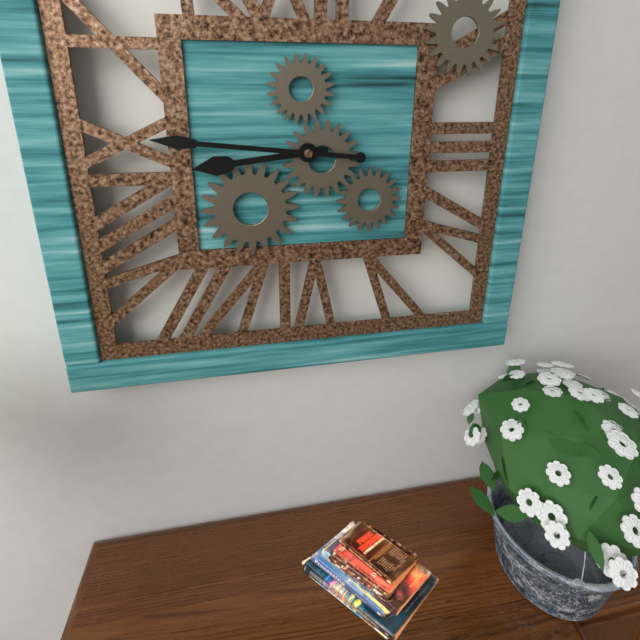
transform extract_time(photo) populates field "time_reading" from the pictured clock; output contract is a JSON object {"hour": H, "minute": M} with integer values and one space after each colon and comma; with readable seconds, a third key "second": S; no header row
{"hour": 8, "minute": 46}
